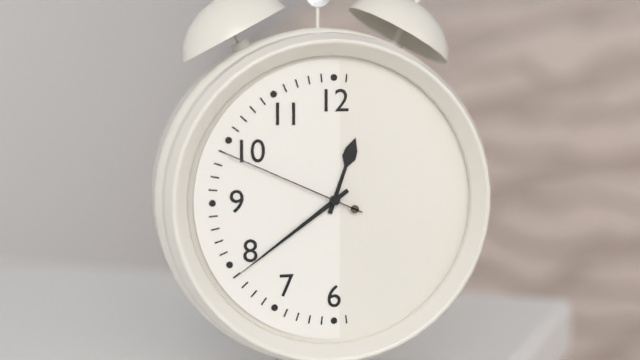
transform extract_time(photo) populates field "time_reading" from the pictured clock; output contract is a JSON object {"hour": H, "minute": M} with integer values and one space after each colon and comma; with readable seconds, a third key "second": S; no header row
{"hour": 12, "minute": 39, "second": 49}
